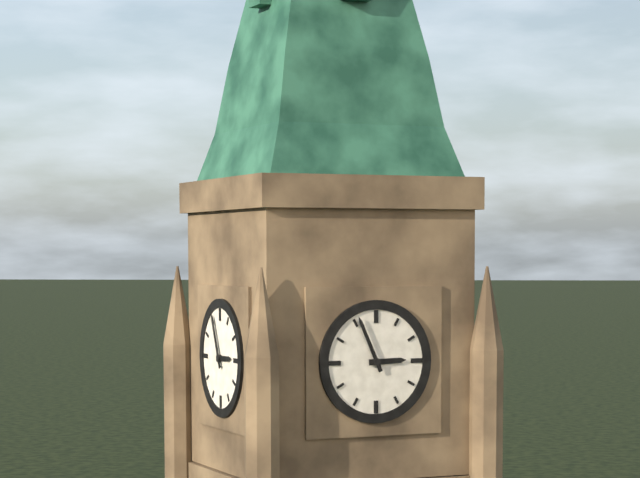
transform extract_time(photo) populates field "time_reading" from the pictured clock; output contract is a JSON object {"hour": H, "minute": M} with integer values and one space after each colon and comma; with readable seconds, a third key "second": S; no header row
{"hour": 2, "minute": 56}
